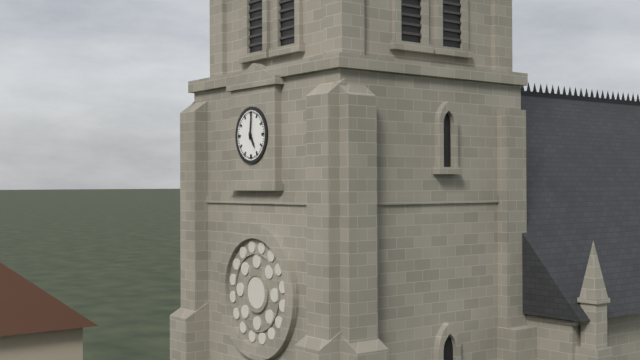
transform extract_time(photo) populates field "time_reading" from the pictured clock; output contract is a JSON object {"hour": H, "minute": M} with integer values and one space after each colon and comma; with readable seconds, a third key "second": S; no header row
{"hour": 5, "minute": 1}
